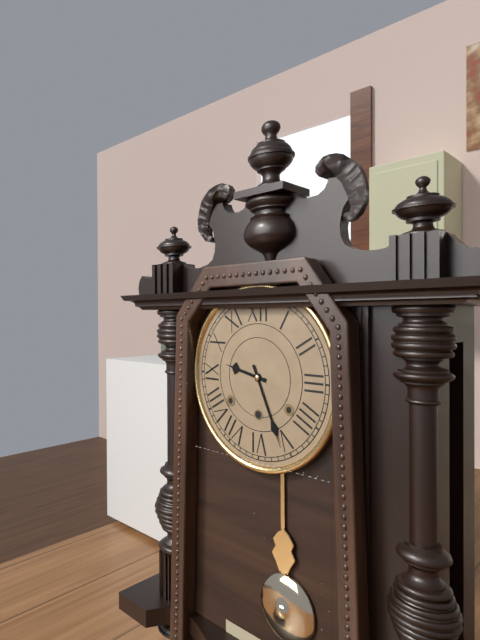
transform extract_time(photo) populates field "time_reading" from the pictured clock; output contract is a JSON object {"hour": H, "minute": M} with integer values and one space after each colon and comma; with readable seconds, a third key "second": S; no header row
{"hour": 9, "minute": 26}
